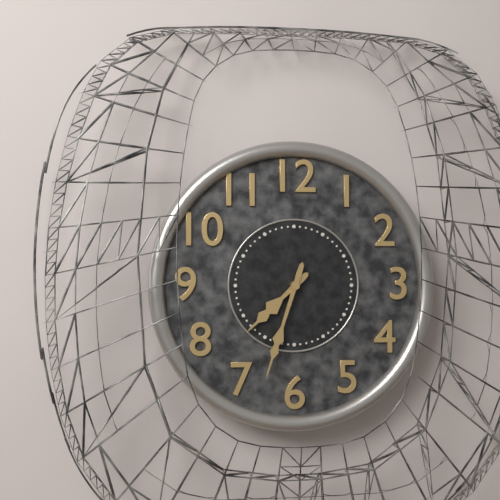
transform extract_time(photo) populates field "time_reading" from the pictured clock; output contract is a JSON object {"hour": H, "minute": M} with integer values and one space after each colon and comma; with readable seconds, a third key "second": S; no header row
{"hour": 7, "minute": 33}
